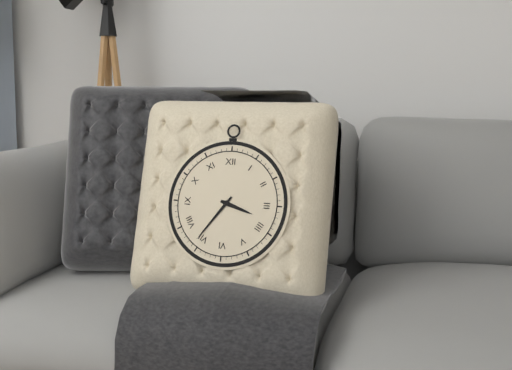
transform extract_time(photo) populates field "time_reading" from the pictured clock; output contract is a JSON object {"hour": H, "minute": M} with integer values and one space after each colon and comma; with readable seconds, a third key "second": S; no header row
{"hour": 3, "minute": 36}
